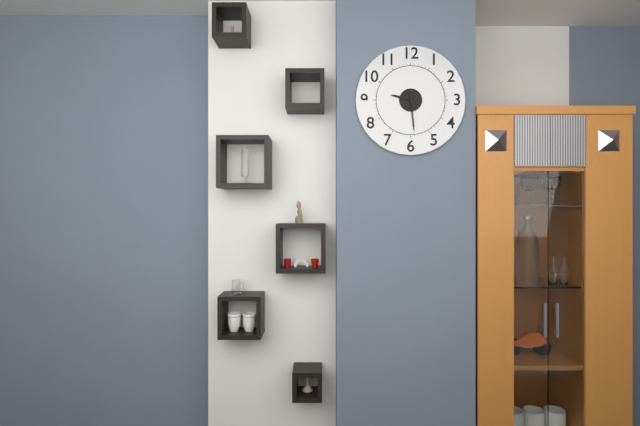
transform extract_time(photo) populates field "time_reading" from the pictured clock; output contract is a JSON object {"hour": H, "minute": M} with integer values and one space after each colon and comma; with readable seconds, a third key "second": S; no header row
{"hour": 9, "minute": 29}
